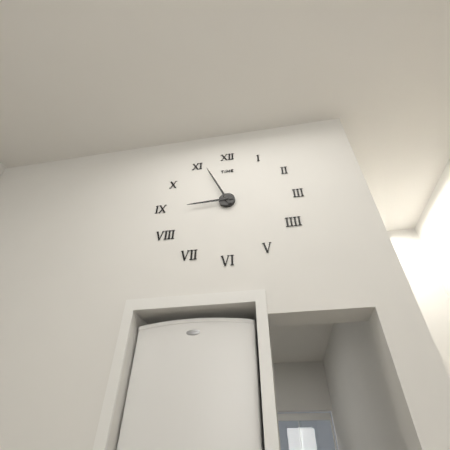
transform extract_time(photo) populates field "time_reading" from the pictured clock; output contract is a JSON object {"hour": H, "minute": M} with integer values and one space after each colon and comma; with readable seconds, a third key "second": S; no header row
{"hour": 8, "minute": 56}
